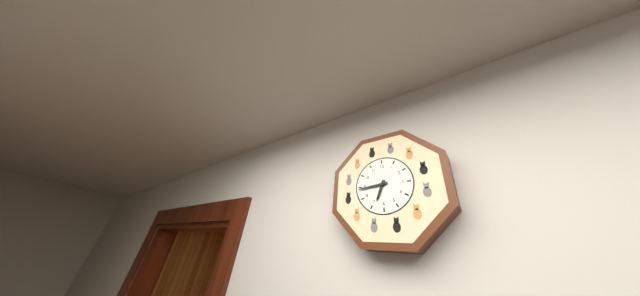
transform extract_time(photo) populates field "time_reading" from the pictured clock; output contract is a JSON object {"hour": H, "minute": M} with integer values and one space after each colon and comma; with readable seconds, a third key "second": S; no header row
{"hour": 6, "minute": 44}
